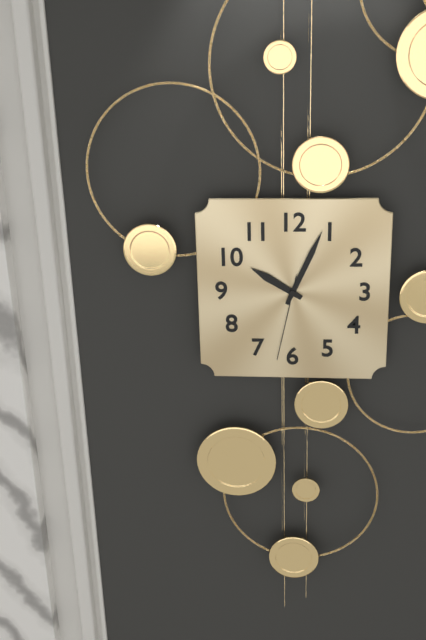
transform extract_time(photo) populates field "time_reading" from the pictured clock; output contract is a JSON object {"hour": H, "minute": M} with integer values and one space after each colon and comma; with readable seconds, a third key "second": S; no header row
{"hour": 10, "minute": 4, "second": 32}
